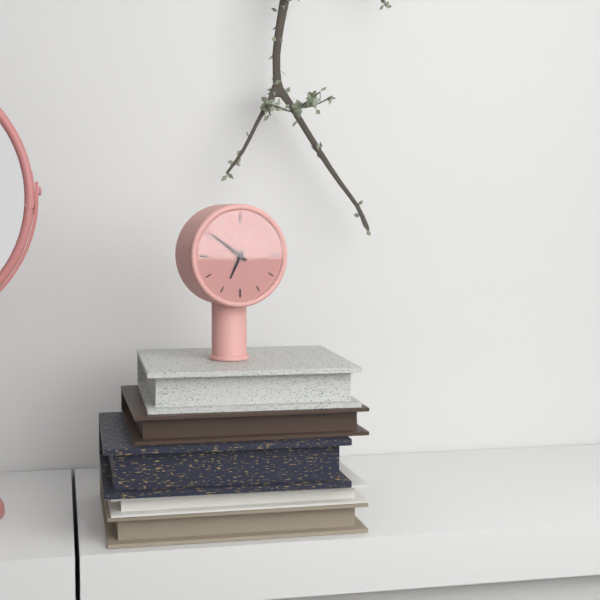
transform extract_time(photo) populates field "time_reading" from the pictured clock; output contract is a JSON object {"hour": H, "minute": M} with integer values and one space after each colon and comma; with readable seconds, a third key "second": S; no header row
{"hour": 6, "minute": 51}
